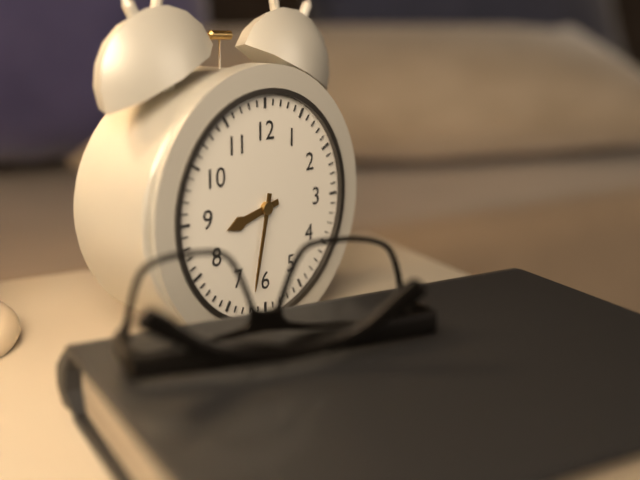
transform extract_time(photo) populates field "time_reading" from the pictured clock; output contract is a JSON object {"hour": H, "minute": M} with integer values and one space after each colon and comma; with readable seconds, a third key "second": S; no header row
{"hour": 8, "minute": 32}
